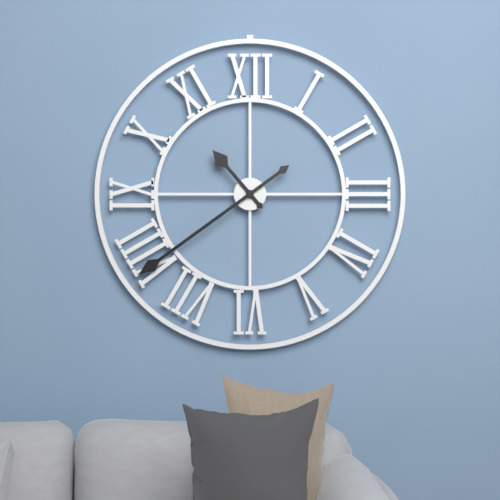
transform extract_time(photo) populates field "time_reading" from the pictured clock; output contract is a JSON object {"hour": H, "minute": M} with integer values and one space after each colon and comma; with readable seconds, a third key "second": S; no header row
{"hour": 10, "minute": 39}
